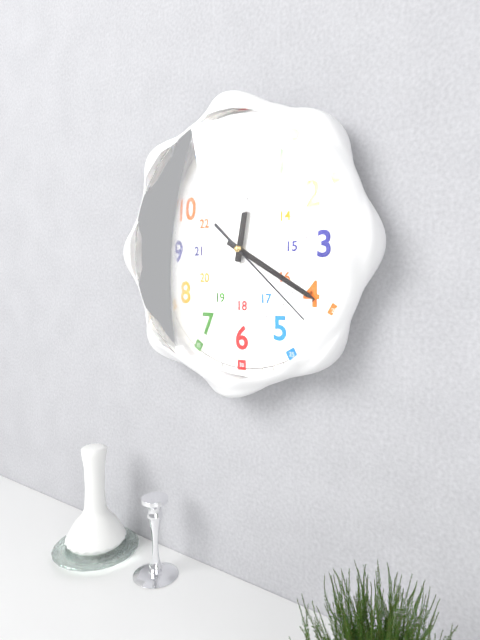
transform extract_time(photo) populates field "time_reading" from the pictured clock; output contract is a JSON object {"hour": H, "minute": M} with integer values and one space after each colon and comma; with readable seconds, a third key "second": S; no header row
{"hour": 12, "minute": 20, "second": 22}
